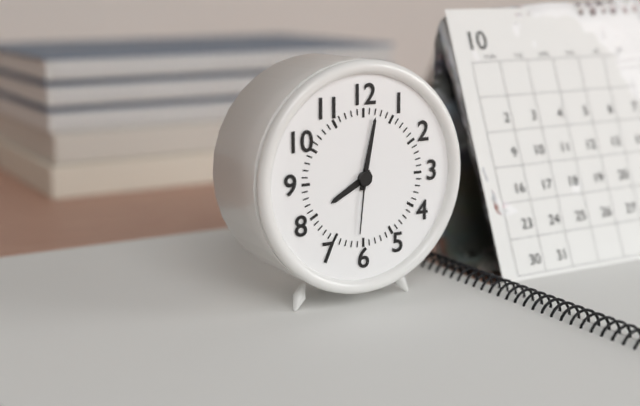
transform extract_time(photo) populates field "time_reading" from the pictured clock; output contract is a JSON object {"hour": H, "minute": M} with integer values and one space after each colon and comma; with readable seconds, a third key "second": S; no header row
{"hour": 8, "minute": 2, "second": 31}
